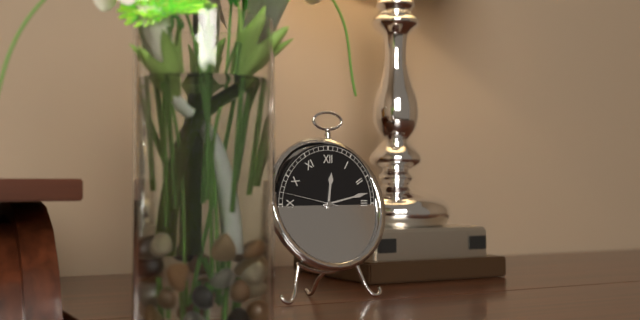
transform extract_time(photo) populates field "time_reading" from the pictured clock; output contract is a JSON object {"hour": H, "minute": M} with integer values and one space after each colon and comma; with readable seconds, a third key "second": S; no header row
{"hour": 12, "minute": 13, "second": 47}
